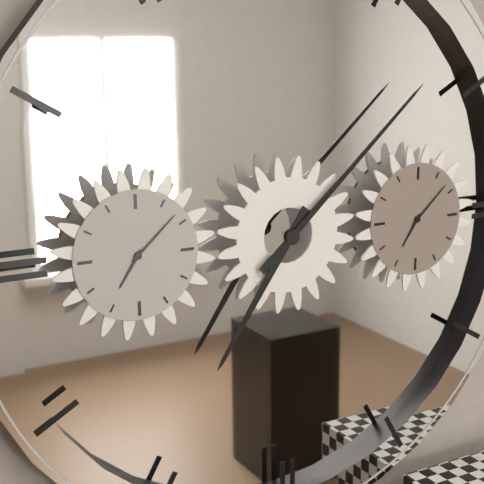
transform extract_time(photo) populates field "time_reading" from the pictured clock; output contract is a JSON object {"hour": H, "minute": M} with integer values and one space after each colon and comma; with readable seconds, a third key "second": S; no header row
{"hour": 7, "minute": 8}
